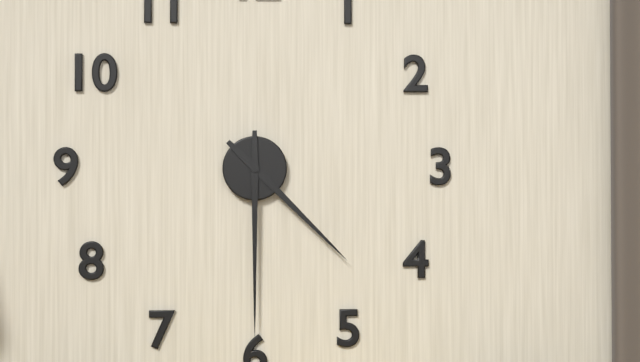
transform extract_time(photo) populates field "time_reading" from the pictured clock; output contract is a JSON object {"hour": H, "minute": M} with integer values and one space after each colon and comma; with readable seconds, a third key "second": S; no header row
{"hour": 4, "minute": 30}
